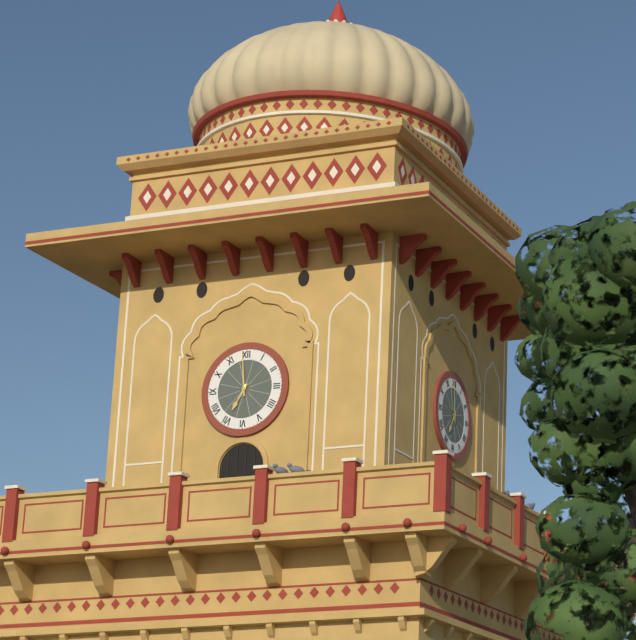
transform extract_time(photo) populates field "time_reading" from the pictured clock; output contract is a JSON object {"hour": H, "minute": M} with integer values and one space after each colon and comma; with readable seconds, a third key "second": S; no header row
{"hour": 6, "minute": 59}
